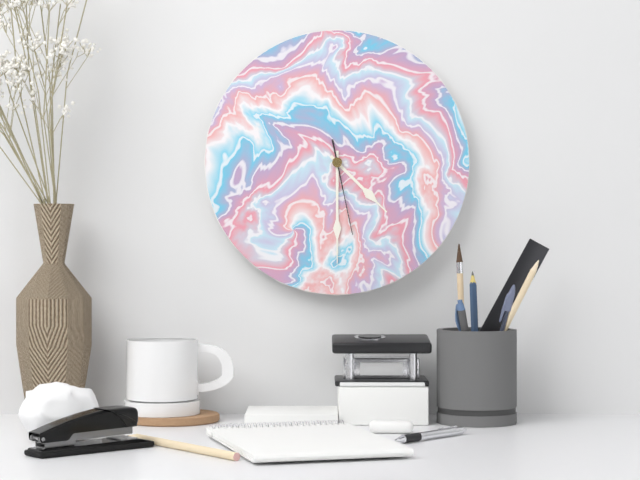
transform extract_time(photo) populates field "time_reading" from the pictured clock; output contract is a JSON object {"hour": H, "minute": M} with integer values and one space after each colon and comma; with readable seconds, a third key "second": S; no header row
{"hour": 4, "minute": 30, "second": 28}
